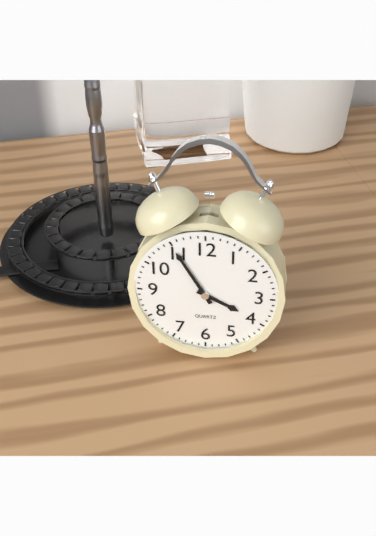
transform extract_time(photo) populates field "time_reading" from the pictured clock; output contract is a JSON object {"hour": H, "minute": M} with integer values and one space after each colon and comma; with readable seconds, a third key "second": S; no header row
{"hour": 3, "minute": 55}
